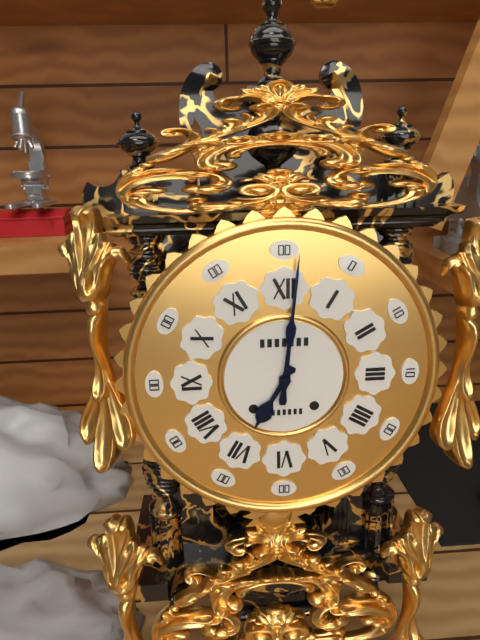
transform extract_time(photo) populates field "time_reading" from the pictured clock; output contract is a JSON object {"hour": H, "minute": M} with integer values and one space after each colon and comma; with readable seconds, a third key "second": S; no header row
{"hour": 7, "minute": 1}
